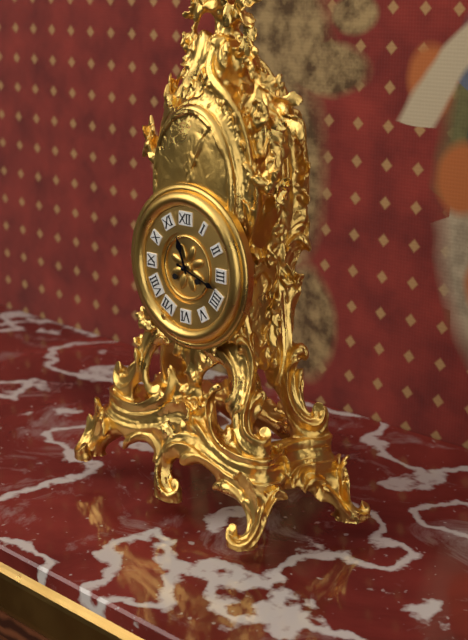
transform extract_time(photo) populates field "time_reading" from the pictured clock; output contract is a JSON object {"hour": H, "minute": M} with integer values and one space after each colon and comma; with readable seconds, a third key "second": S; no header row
{"hour": 11, "minute": 18}
